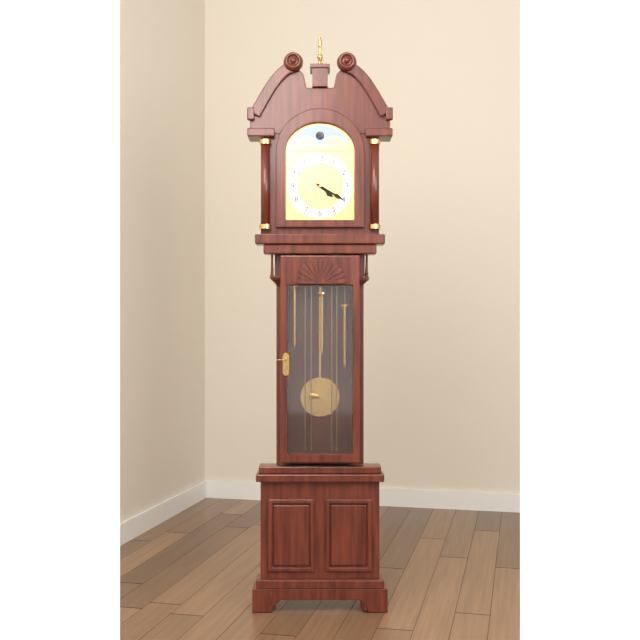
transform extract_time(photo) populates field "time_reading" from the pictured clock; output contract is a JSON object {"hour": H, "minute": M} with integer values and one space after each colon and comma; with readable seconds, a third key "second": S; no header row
{"hour": 4, "minute": 20}
